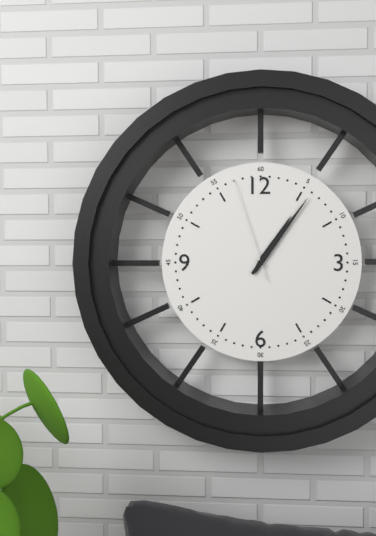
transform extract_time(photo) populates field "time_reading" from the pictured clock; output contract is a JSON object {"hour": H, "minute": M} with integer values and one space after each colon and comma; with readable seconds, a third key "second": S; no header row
{"hour": 1, "minute": 6, "second": 57}
